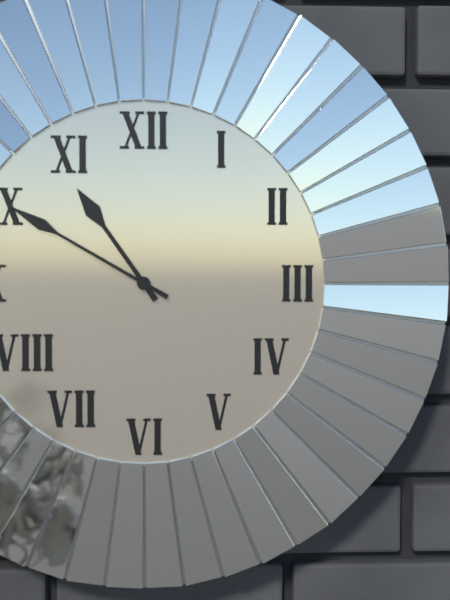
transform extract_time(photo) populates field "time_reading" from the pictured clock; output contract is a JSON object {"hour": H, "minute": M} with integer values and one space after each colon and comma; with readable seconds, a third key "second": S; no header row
{"hour": 10, "minute": 50}
